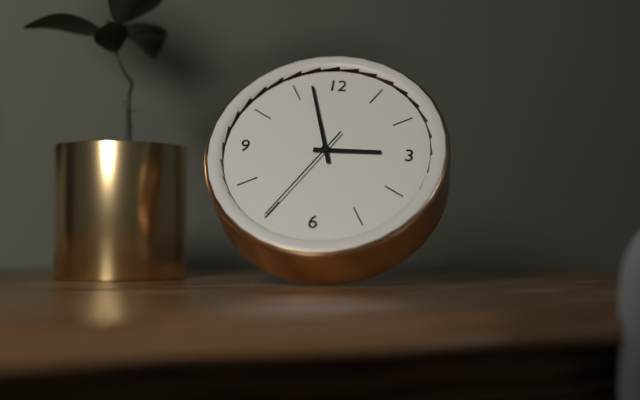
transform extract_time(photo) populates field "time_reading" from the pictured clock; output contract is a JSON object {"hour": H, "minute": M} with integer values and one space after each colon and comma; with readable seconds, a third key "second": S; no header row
{"hour": 2, "minute": 57, "second": 35}
